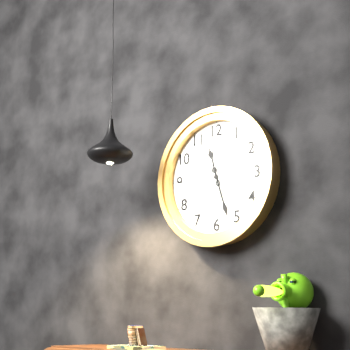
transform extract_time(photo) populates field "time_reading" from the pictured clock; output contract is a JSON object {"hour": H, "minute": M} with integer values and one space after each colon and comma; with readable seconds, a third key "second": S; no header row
{"hour": 11, "minute": 27}
